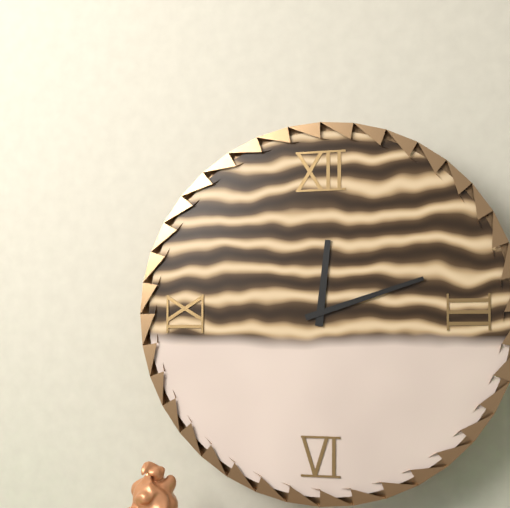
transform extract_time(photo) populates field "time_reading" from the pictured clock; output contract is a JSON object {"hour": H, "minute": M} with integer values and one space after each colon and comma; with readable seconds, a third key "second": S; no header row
{"hour": 12, "minute": 12}
